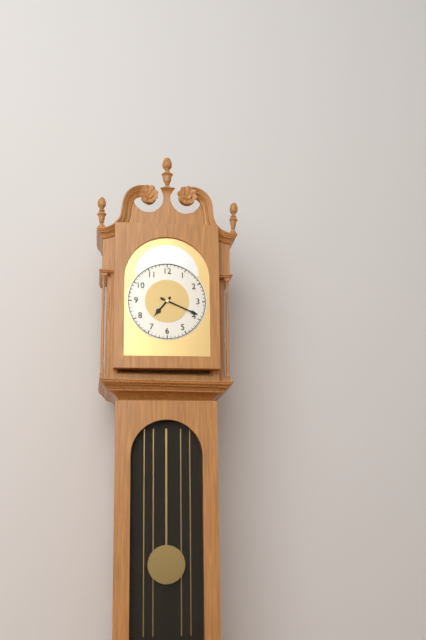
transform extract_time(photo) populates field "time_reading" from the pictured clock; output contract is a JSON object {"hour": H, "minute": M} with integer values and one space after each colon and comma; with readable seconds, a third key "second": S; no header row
{"hour": 7, "minute": 19}
